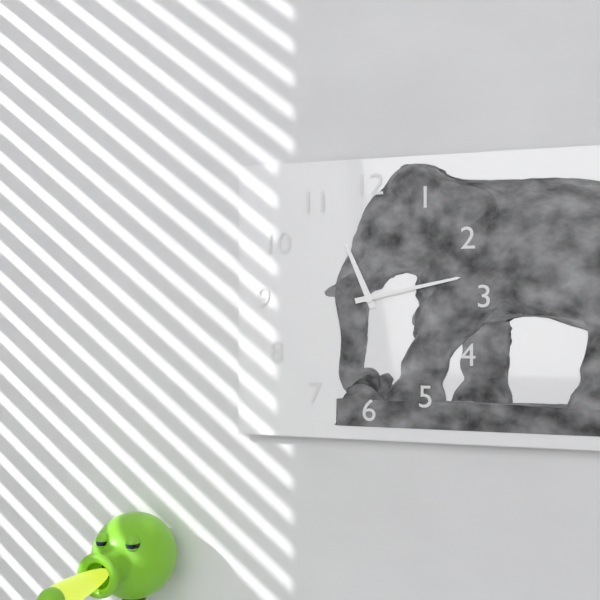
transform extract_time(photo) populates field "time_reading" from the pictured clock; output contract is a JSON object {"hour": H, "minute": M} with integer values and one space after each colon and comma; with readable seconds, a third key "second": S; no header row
{"hour": 11, "minute": 13}
